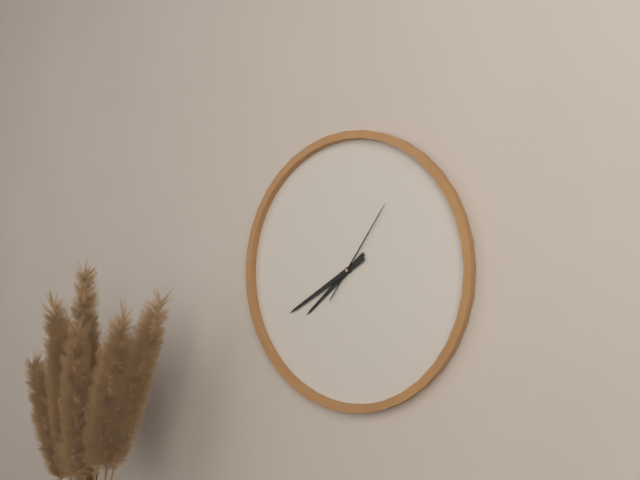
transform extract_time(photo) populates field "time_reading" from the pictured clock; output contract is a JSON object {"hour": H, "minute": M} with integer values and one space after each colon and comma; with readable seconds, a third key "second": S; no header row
{"hour": 7, "minute": 40, "second": 6}
